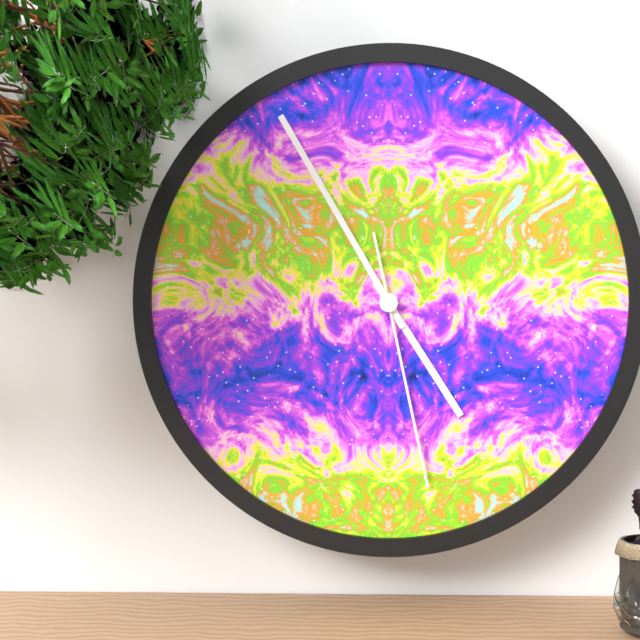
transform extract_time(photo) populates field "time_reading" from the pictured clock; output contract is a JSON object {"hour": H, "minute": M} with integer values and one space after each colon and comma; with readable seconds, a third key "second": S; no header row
{"hour": 4, "minute": 55, "second": 28}
